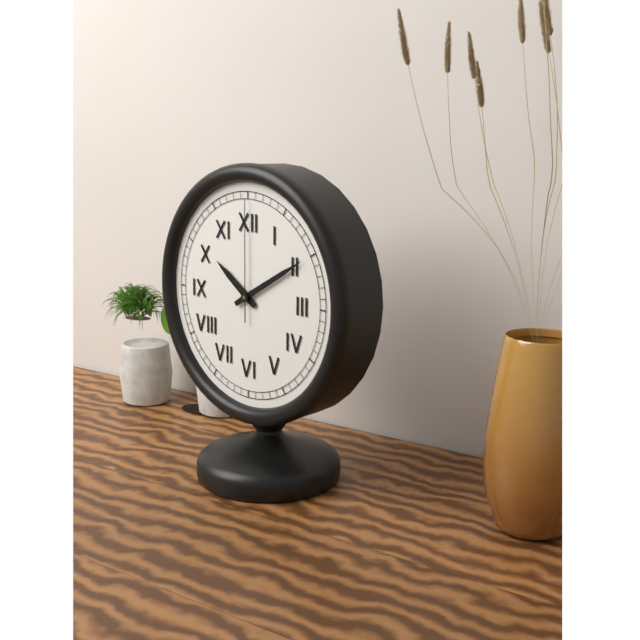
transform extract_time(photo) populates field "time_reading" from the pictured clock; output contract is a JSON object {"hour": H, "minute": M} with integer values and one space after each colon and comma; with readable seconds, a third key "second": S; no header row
{"hour": 10, "minute": 10, "second": 0}
